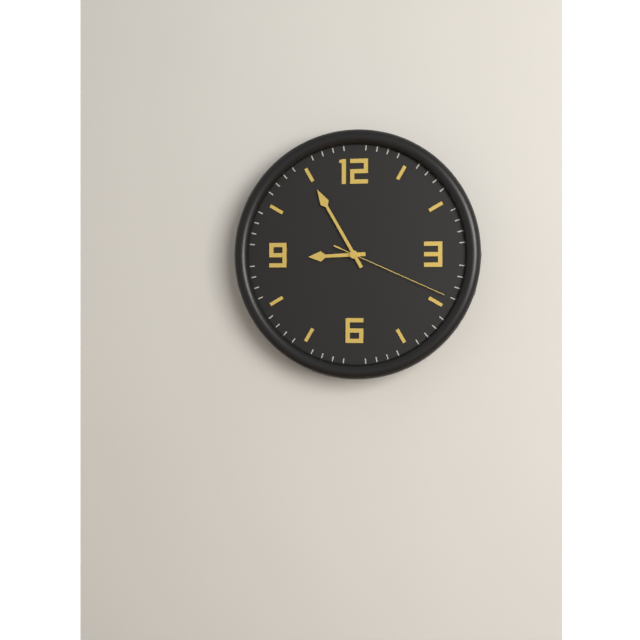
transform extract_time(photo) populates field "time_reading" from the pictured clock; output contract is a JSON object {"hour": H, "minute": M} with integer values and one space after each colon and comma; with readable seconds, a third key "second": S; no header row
{"hour": 8, "minute": 55, "second": 19}
